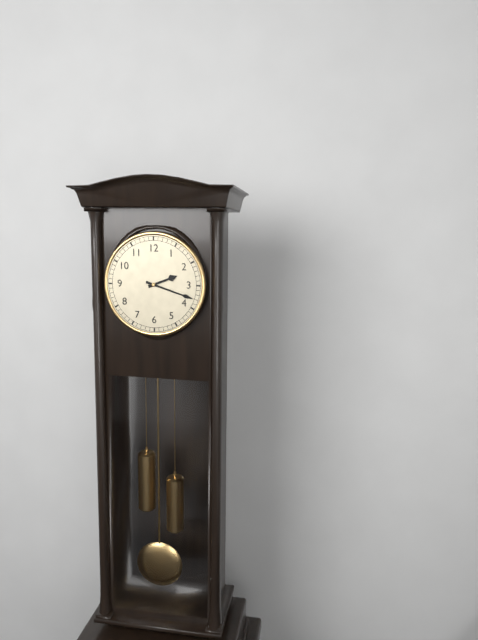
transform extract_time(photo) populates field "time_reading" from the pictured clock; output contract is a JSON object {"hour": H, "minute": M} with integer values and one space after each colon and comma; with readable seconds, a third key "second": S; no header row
{"hour": 2, "minute": 18}
